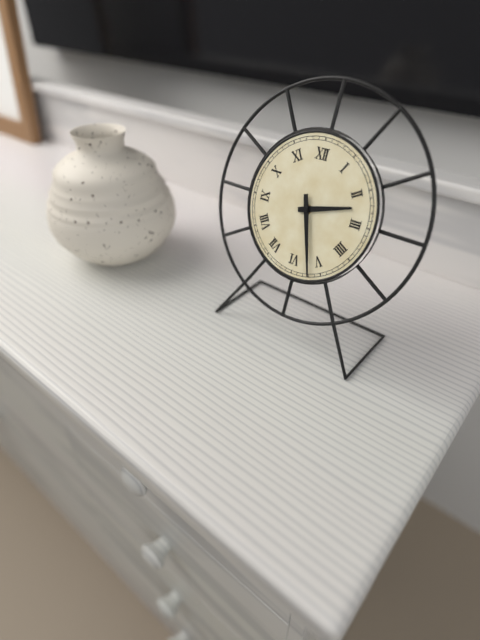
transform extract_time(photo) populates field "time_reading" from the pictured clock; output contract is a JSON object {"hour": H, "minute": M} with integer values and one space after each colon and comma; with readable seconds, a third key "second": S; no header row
{"hour": 2, "minute": 27}
